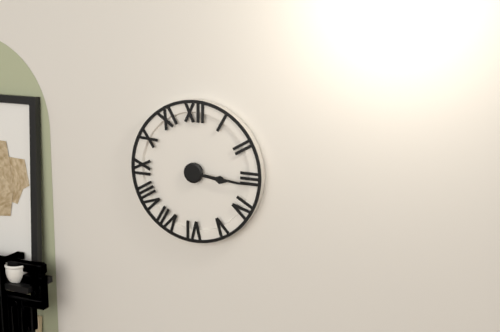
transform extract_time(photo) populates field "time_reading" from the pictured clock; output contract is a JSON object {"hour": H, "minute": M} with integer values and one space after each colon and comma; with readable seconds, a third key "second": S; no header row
{"hour": 3, "minute": 16}
